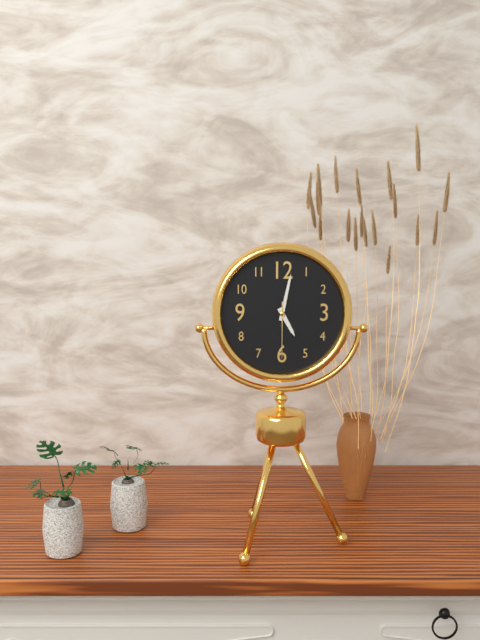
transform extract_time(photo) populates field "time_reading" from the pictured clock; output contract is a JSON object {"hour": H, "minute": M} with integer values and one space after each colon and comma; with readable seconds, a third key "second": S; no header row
{"hour": 5, "minute": 2, "second": 30}
